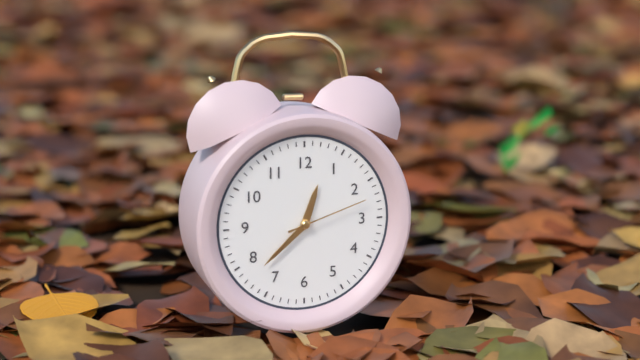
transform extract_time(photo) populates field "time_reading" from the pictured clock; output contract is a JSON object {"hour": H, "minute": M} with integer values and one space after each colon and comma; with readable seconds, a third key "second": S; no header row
{"hour": 12, "minute": 38, "second": 12}
